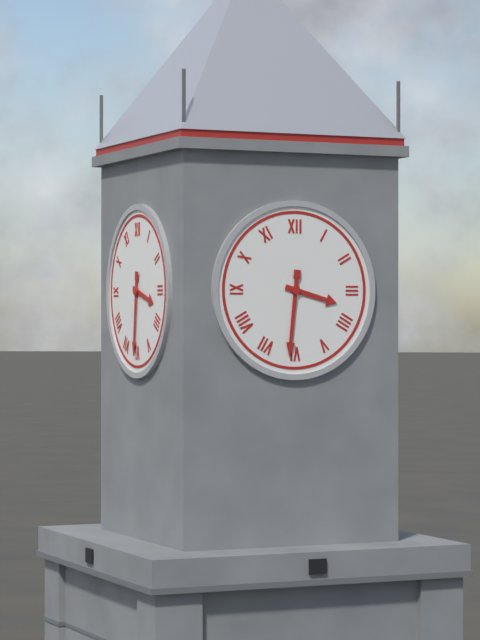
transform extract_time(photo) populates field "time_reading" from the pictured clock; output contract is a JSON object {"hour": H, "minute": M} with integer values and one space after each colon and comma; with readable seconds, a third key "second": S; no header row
{"hour": 3, "minute": 31}
